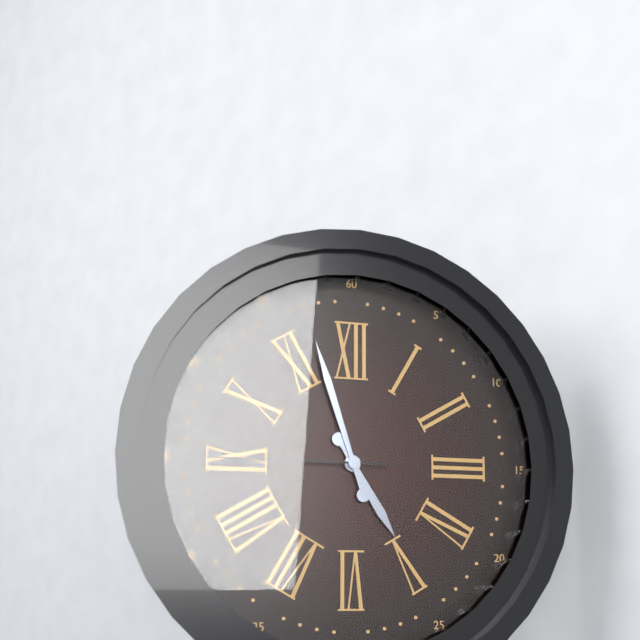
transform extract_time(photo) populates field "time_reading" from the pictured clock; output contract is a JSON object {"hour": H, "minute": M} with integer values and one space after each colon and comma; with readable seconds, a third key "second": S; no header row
{"hour": 4, "minute": 57, "second": 45}
